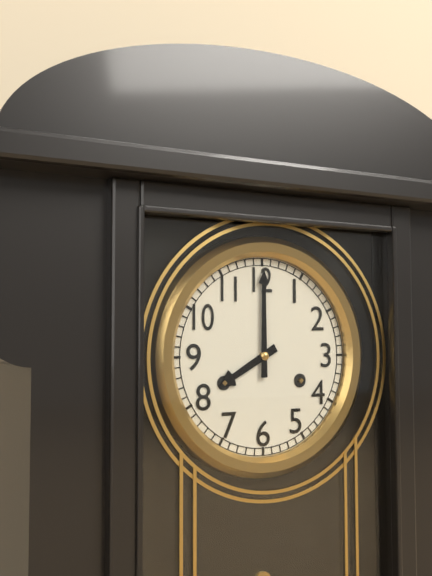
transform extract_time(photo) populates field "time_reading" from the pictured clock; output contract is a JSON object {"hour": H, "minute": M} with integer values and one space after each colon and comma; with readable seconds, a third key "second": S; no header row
{"hour": 8, "minute": 0}
